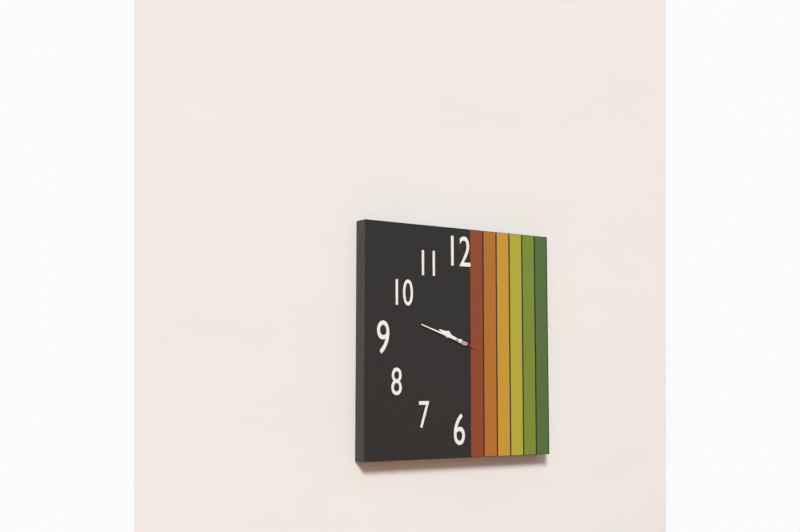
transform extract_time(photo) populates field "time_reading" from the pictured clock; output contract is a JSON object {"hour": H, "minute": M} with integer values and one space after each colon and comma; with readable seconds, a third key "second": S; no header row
{"hour": 9, "minute": 48}
